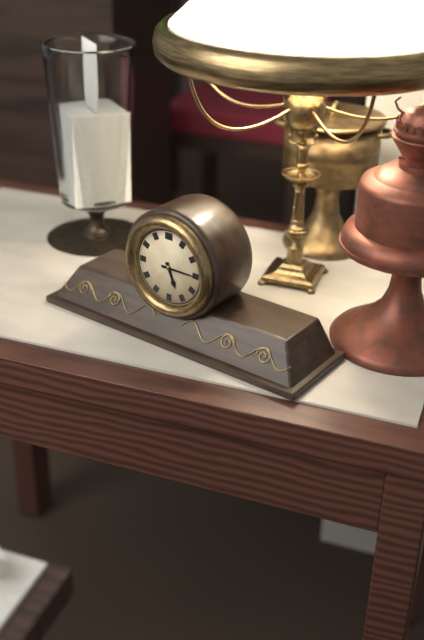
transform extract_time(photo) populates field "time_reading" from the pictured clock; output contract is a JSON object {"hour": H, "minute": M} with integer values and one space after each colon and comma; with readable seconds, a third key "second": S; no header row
{"hour": 5, "minute": 15}
